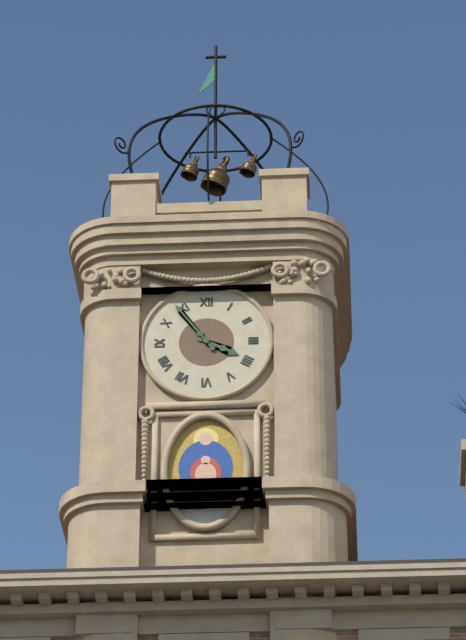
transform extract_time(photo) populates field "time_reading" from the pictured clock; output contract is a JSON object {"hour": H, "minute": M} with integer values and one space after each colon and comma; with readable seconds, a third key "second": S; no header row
{"hour": 3, "minute": 54}
